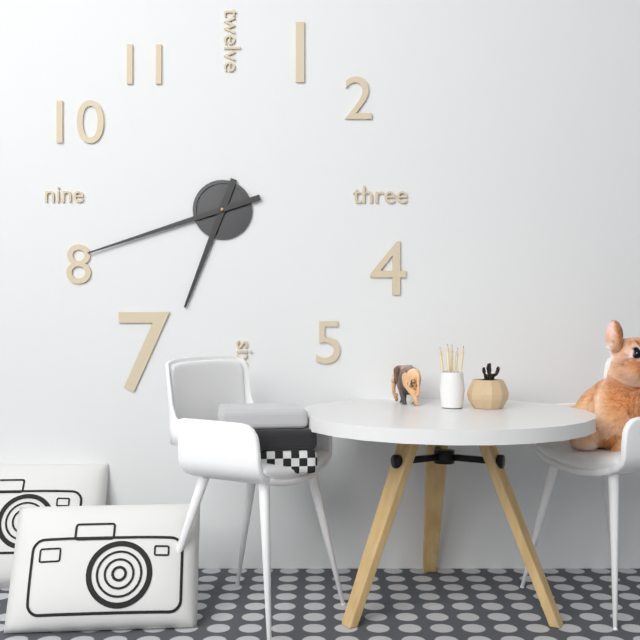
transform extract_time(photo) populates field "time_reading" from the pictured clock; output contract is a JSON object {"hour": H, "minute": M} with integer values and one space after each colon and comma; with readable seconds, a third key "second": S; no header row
{"hour": 6, "minute": 42}
